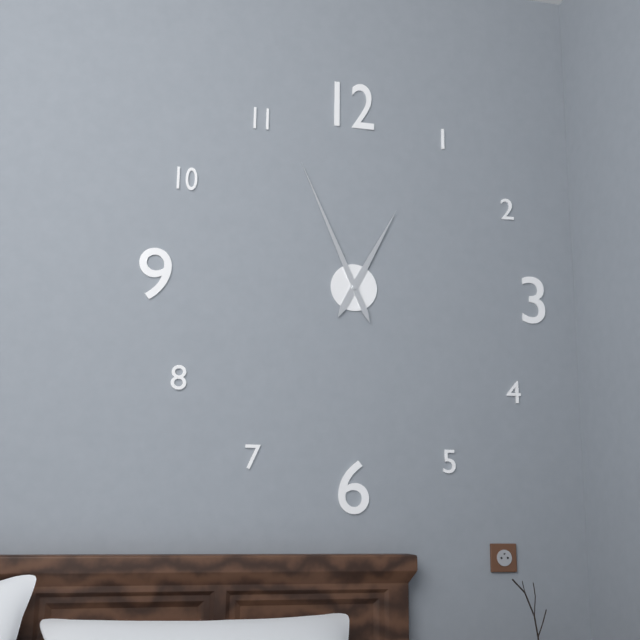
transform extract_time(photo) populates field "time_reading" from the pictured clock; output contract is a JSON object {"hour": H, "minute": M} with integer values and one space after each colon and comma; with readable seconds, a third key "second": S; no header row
{"hour": 12, "minute": 56}
